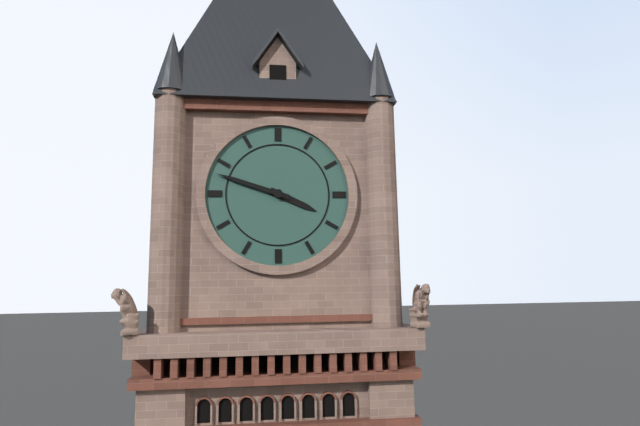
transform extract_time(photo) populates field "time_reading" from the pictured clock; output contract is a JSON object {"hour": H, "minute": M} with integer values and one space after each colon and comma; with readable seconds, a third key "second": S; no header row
{"hour": 3, "minute": 48}
